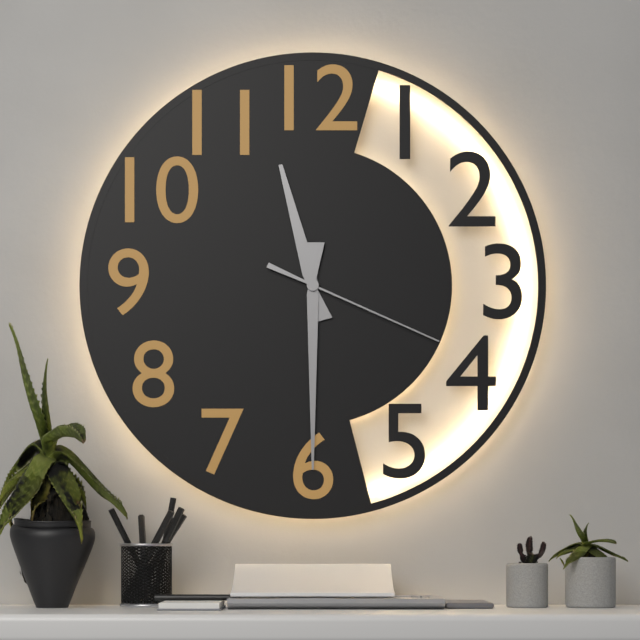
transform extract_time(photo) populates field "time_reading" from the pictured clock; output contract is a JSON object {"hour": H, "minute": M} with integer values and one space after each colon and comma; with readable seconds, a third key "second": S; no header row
{"hour": 11, "minute": 30, "second": 19}
